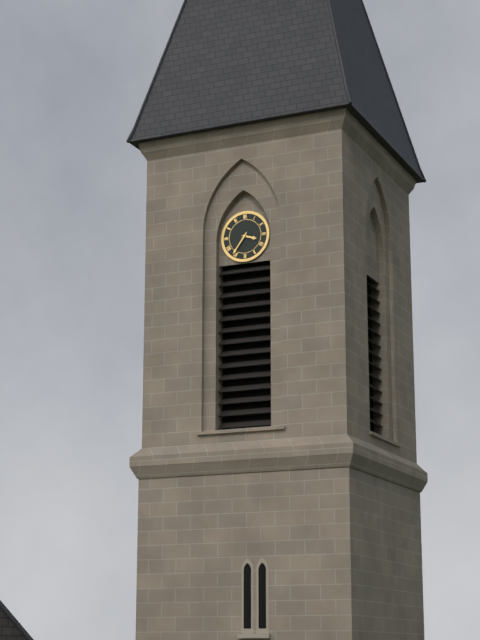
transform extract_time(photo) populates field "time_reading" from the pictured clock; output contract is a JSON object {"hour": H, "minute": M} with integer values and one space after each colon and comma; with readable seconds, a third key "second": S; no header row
{"hour": 3, "minute": 36}
